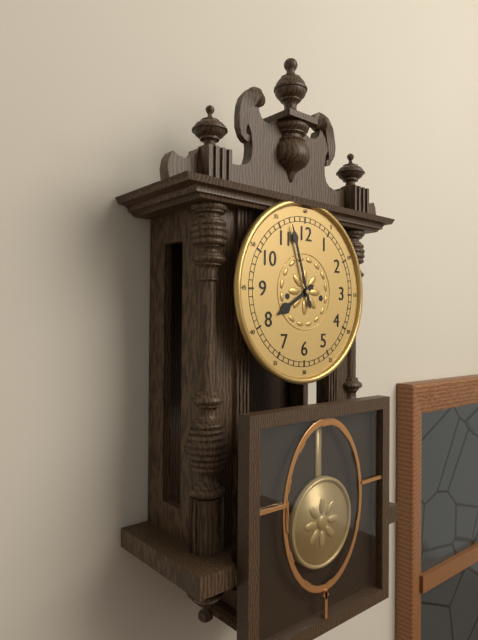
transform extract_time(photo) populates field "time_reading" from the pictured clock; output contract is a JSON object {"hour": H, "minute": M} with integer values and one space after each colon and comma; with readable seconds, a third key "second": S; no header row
{"hour": 7, "minute": 57}
